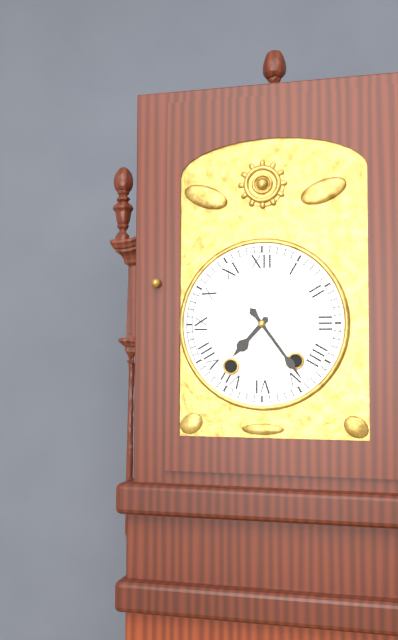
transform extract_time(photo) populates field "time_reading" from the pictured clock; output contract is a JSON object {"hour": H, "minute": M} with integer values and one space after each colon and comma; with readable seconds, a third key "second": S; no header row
{"hour": 7, "minute": 24}
